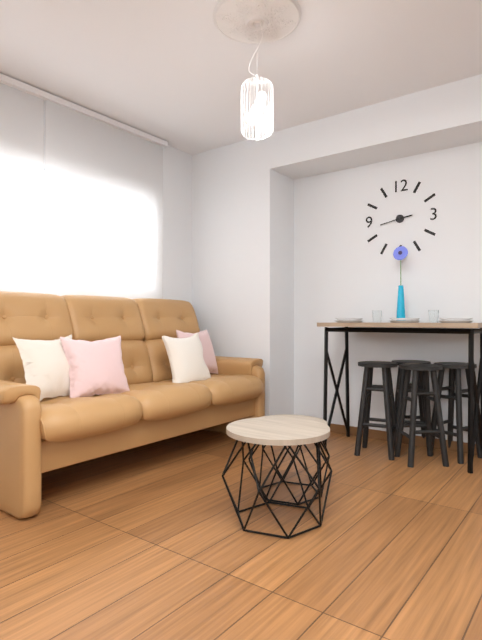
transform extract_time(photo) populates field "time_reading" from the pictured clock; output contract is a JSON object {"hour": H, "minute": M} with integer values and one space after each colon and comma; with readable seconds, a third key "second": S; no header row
{"hour": 2, "minute": 43}
